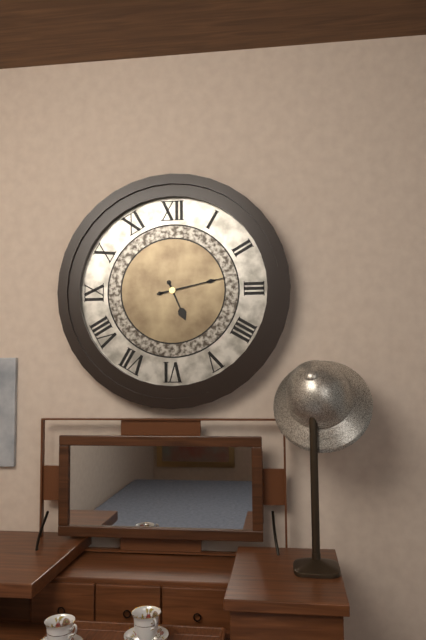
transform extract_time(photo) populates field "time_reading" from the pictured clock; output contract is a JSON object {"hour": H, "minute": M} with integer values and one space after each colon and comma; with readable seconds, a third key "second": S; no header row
{"hour": 5, "minute": 13}
